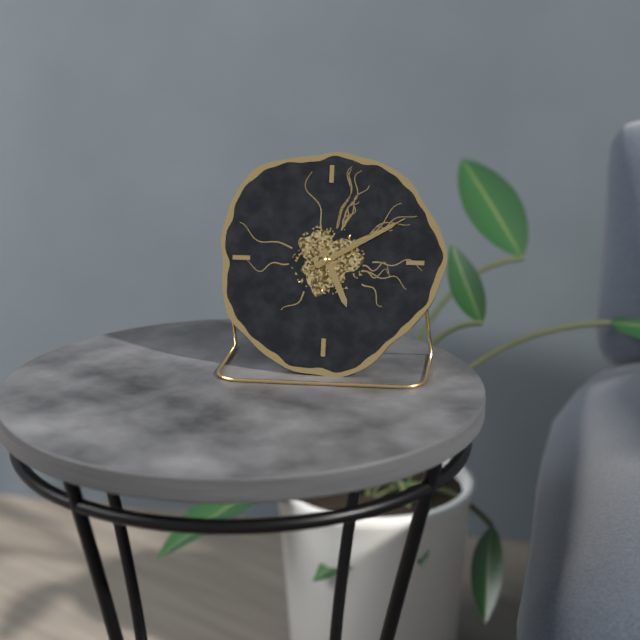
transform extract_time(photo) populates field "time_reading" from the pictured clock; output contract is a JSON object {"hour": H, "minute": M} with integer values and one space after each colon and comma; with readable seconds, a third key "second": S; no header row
{"hour": 5, "minute": 10, "second": 10}
